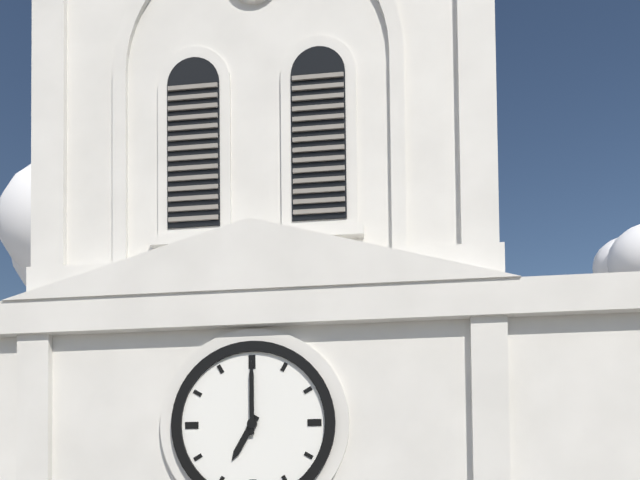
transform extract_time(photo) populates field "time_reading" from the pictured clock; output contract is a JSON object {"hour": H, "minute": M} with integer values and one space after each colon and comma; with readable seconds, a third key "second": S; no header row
{"hour": 7, "minute": 0}
